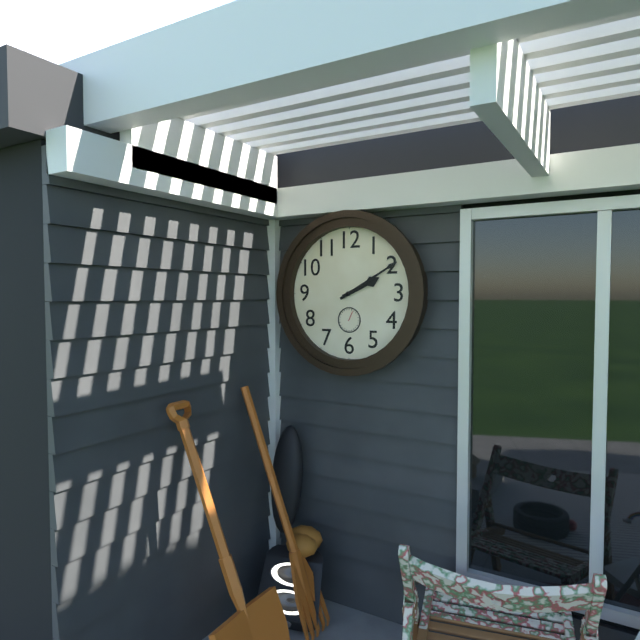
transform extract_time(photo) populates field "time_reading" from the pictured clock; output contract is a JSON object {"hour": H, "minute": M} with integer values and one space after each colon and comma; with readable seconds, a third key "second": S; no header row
{"hour": 2, "minute": 10}
